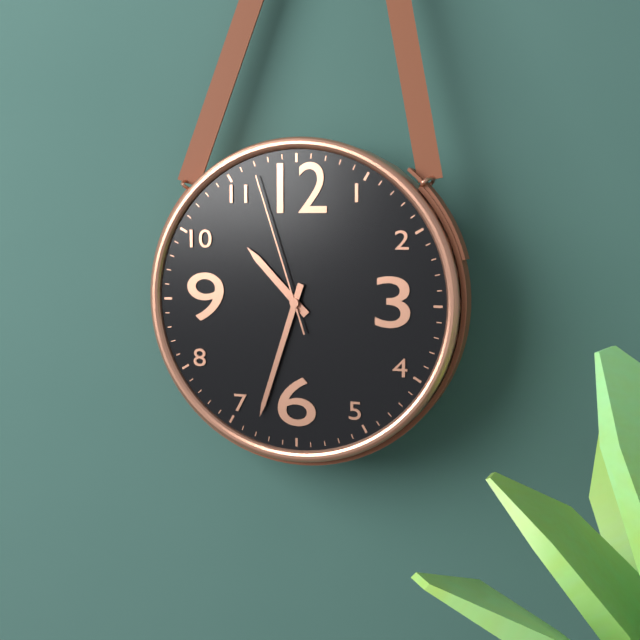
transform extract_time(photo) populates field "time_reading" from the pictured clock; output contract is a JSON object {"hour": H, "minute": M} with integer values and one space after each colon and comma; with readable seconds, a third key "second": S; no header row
{"hour": 10, "minute": 33, "second": 57}
